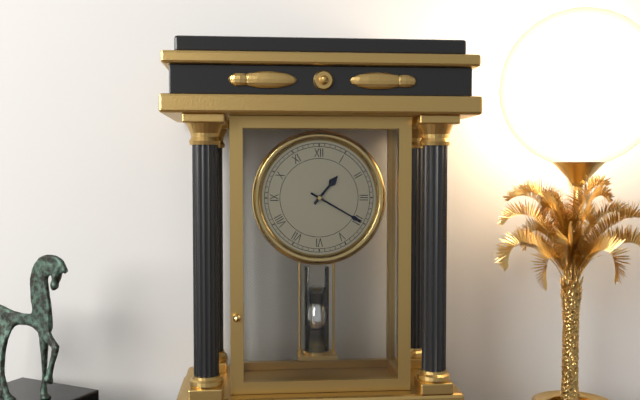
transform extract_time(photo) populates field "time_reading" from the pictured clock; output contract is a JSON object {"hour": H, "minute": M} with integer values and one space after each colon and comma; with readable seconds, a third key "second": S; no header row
{"hour": 1, "minute": 20}
